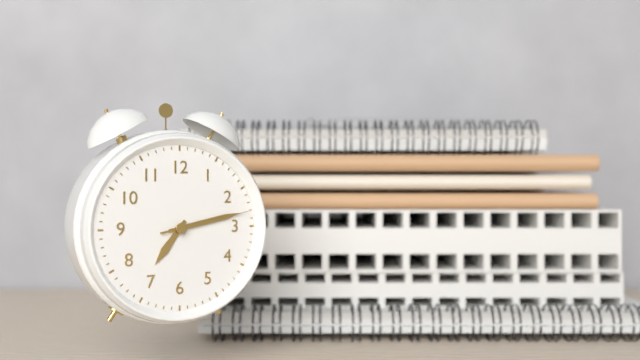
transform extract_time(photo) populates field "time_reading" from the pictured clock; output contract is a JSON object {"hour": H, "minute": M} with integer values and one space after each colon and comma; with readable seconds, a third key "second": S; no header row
{"hour": 7, "minute": 13, "second": 13}
